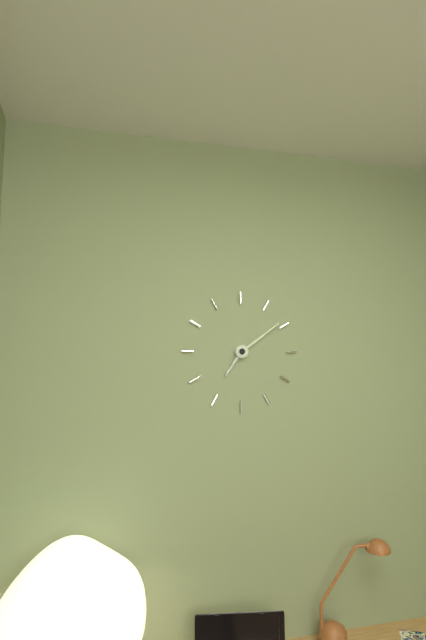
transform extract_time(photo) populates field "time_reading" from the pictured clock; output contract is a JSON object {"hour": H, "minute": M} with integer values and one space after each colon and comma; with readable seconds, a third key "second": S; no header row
{"hour": 7, "minute": 9}
